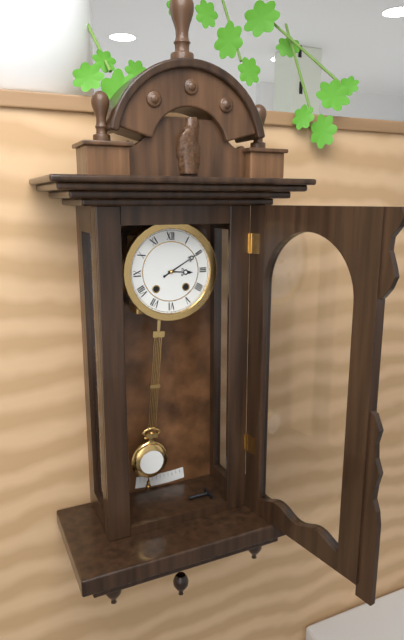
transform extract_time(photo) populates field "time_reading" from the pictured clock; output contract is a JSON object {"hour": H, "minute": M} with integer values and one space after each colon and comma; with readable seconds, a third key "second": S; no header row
{"hour": 3, "minute": 10}
